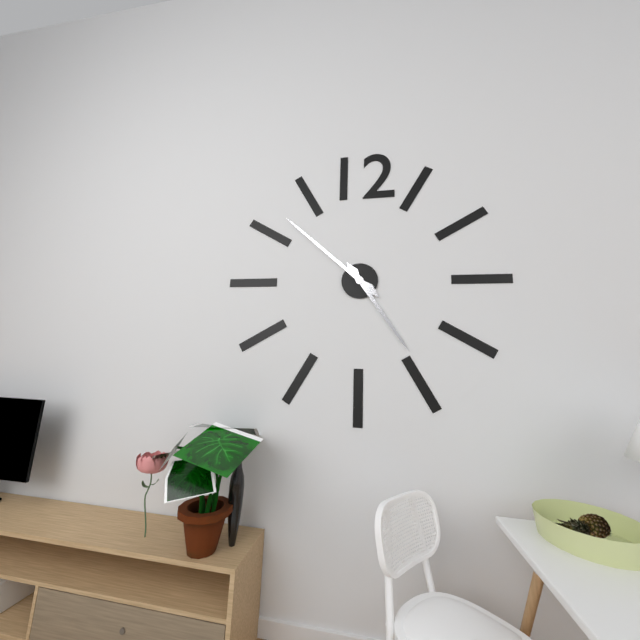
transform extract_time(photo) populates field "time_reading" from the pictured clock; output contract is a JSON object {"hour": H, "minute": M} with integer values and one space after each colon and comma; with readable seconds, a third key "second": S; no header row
{"hour": 4, "minute": 52}
